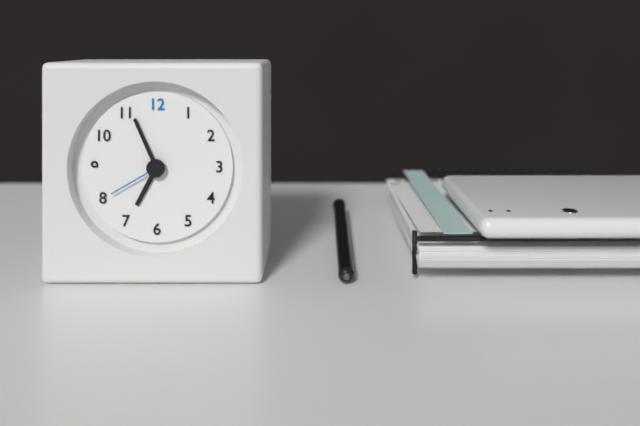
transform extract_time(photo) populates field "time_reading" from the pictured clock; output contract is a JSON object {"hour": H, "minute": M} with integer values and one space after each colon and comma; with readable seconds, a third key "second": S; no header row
{"hour": 6, "minute": 56, "second": 40}
